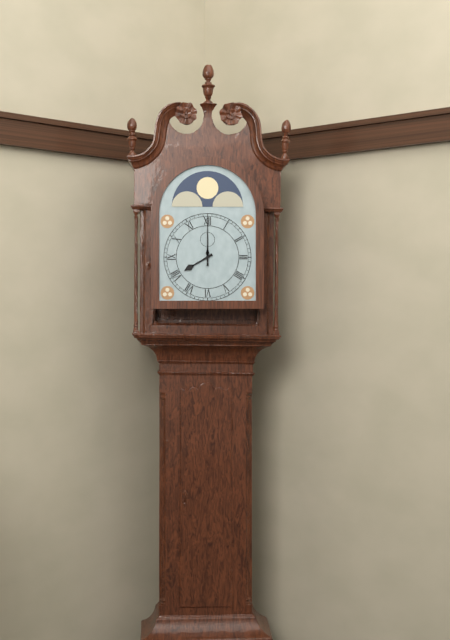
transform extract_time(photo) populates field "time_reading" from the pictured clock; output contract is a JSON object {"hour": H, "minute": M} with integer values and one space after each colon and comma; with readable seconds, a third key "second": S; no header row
{"hour": 8, "minute": 0}
